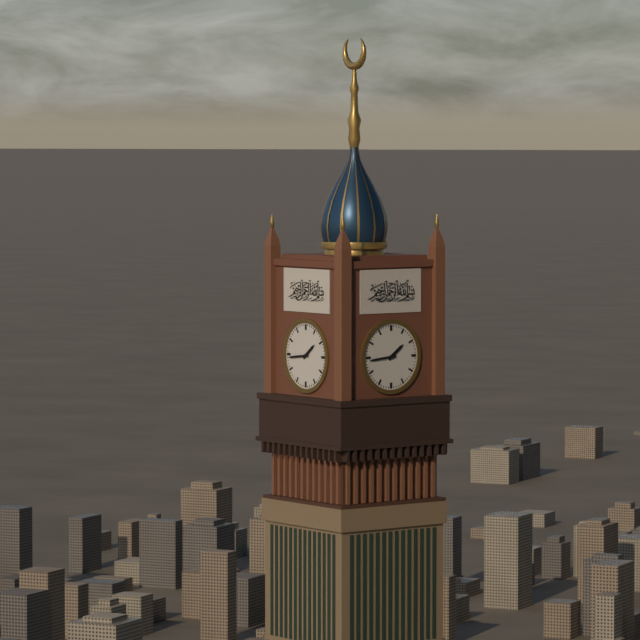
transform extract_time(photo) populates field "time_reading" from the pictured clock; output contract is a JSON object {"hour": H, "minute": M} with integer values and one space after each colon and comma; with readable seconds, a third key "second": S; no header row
{"hour": 1, "minute": 44}
